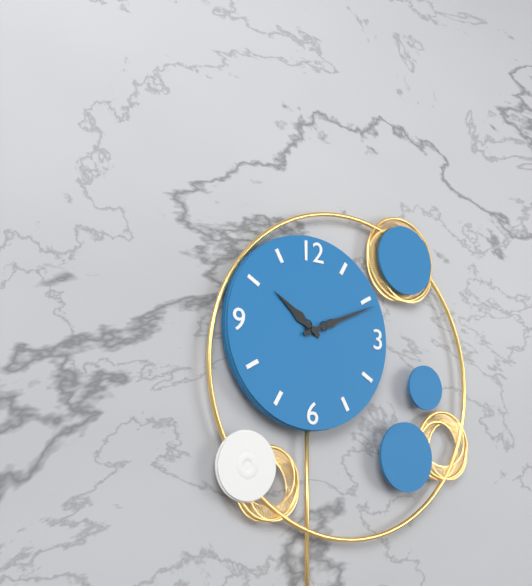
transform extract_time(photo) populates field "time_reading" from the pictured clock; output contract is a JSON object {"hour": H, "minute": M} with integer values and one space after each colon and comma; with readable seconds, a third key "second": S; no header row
{"hour": 10, "minute": 11}
